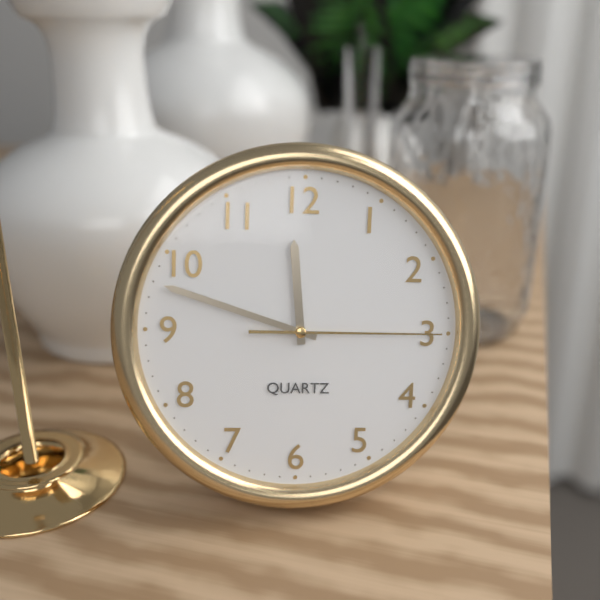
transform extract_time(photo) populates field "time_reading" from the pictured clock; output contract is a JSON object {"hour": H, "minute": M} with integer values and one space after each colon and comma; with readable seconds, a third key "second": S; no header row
{"hour": 11, "minute": 48, "second": 15}
